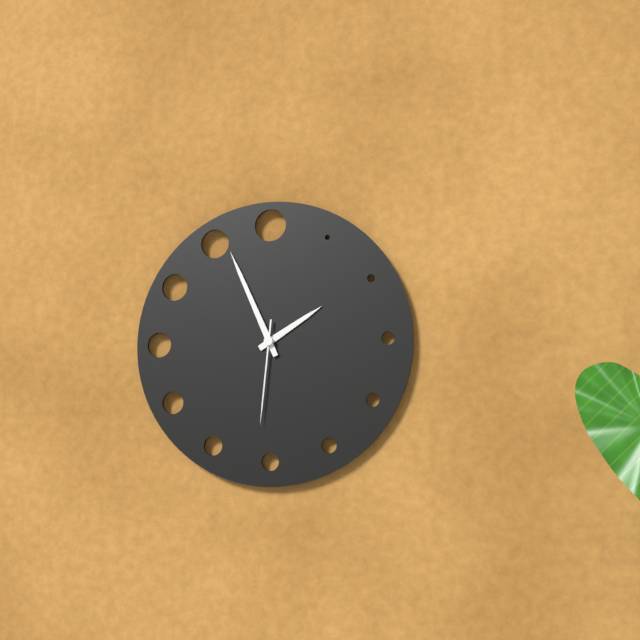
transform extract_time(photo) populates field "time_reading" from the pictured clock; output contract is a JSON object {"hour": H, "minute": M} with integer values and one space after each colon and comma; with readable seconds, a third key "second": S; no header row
{"hour": 1, "minute": 56, "second": 31}
